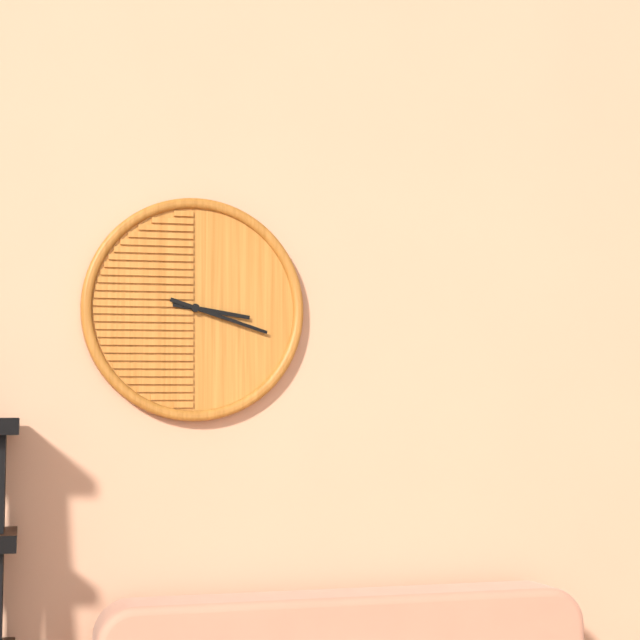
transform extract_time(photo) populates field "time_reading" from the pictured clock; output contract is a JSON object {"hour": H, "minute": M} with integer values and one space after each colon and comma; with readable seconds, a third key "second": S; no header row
{"hour": 3, "minute": 18}
